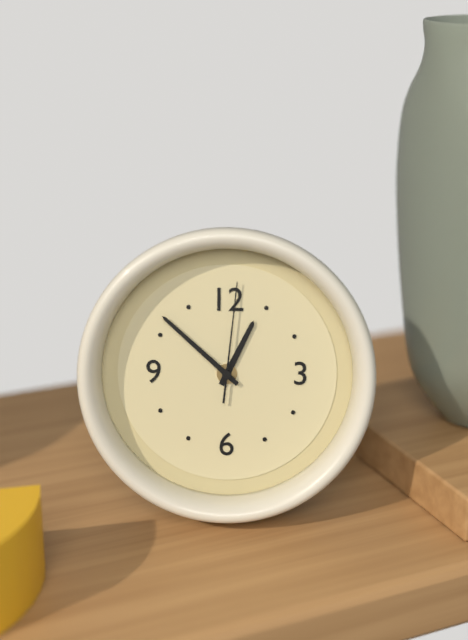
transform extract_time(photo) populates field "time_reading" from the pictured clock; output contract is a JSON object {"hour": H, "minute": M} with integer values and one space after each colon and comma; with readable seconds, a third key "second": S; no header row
{"hour": 12, "minute": 52, "second": 1}
